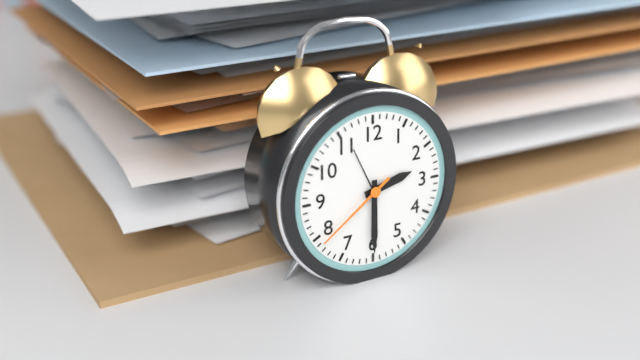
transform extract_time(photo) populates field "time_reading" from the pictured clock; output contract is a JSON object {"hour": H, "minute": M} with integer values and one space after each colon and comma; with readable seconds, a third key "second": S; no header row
{"hour": 2, "minute": 30, "second": 39}
